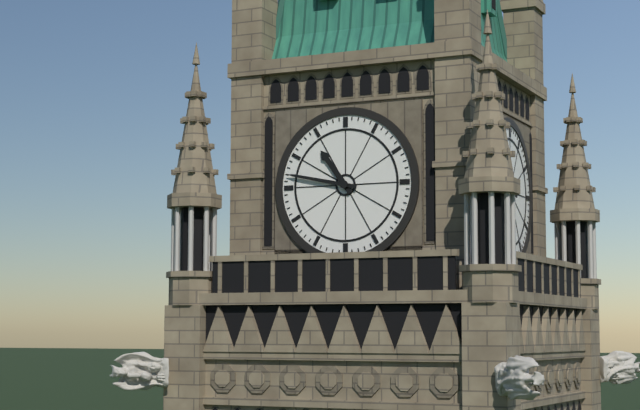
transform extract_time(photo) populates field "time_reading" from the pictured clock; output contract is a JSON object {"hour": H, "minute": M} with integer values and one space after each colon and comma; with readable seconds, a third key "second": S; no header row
{"hour": 10, "minute": 47}
